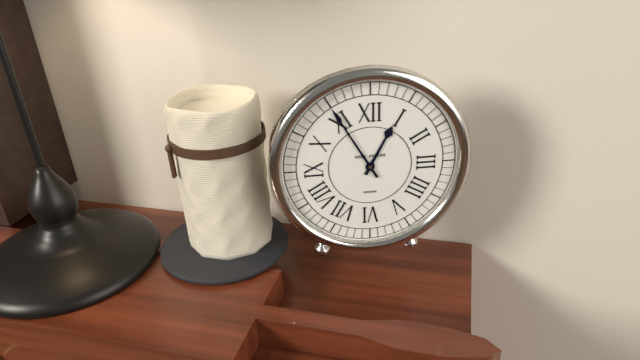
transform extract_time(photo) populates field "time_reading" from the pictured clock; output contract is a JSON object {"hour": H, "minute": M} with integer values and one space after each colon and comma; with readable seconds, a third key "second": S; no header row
{"hour": 12, "minute": 55}
